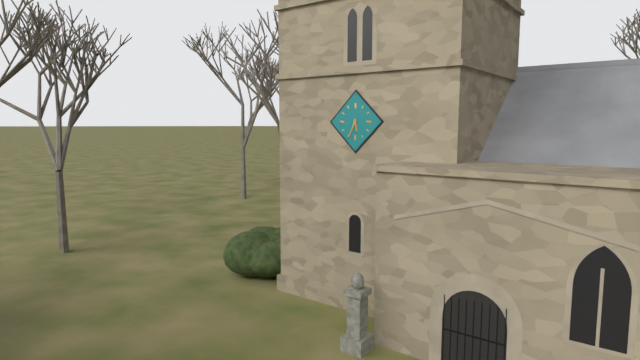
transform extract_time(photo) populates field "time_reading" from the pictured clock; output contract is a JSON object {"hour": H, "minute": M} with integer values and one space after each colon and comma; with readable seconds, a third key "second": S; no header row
{"hour": 5, "minute": 34}
